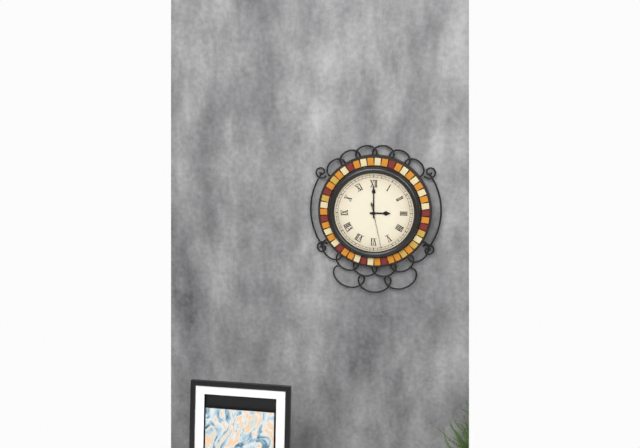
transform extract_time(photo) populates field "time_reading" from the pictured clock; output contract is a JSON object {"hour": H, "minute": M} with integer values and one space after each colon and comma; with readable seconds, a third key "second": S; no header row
{"hour": 3, "minute": 0}
